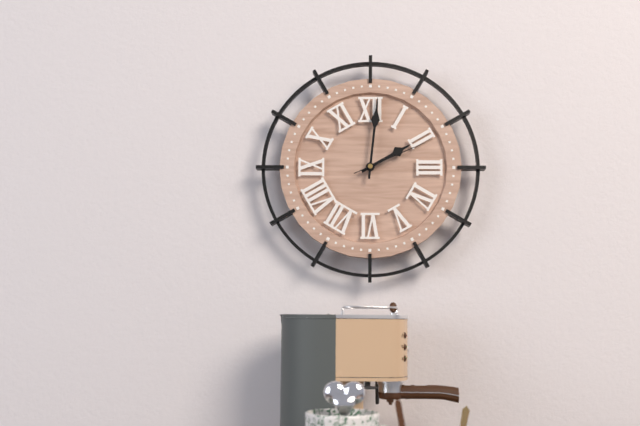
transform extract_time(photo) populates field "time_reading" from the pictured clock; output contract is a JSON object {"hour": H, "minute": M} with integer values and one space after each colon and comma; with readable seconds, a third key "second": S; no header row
{"hour": 2, "minute": 1, "second": 11}
